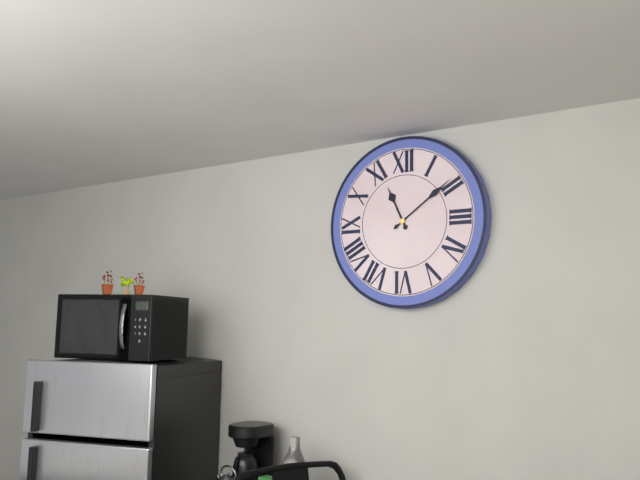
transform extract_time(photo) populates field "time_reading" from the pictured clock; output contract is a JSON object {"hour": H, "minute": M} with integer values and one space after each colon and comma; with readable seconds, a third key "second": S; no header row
{"hour": 11, "minute": 9}
